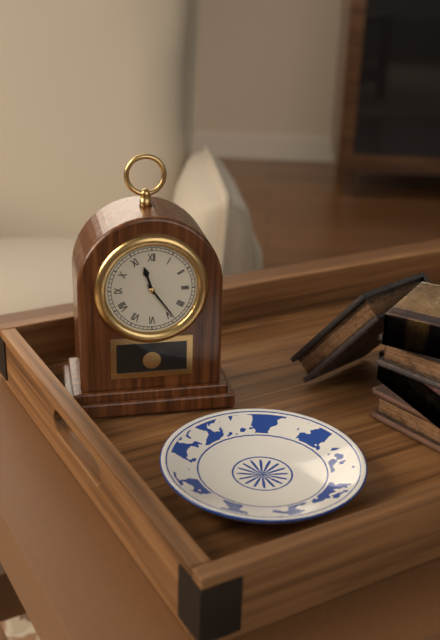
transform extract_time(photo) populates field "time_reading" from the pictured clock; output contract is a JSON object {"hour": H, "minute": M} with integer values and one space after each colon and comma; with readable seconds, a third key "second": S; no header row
{"hour": 11, "minute": 24}
